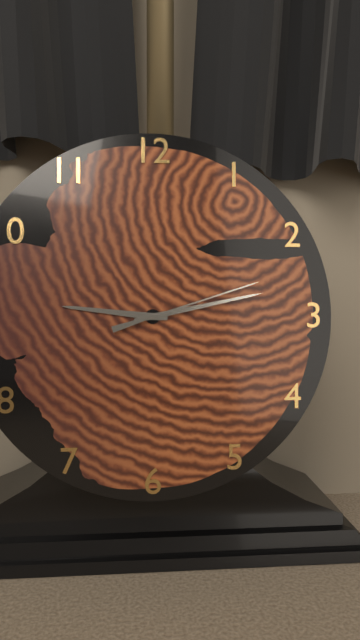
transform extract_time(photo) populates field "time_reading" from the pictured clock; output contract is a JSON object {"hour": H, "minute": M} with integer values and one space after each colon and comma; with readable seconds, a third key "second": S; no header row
{"hour": 9, "minute": 13, "second": 12}
